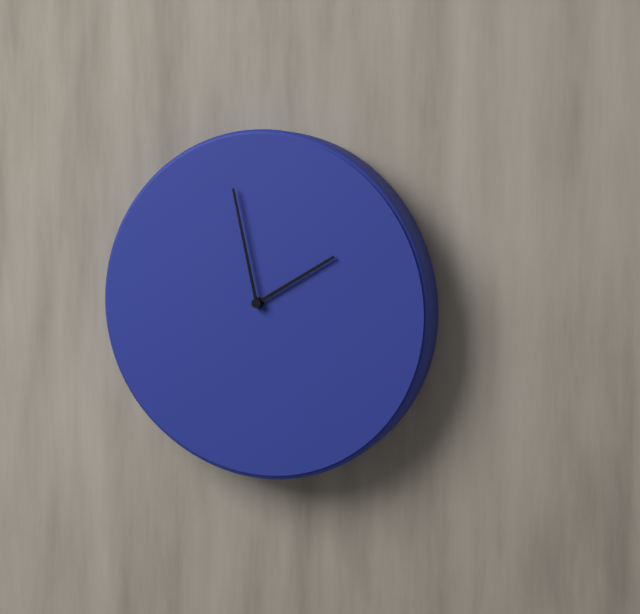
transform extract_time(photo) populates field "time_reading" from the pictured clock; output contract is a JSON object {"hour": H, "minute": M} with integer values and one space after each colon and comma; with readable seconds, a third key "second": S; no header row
{"hour": 1, "minute": 58}
